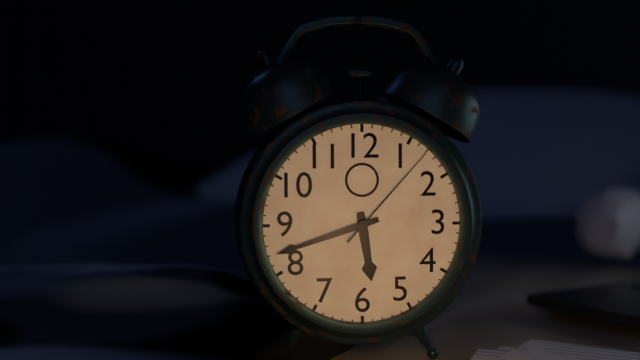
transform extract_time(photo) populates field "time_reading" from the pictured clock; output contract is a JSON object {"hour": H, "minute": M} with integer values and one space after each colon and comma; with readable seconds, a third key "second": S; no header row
{"hour": 5, "minute": 42, "second": 7}
